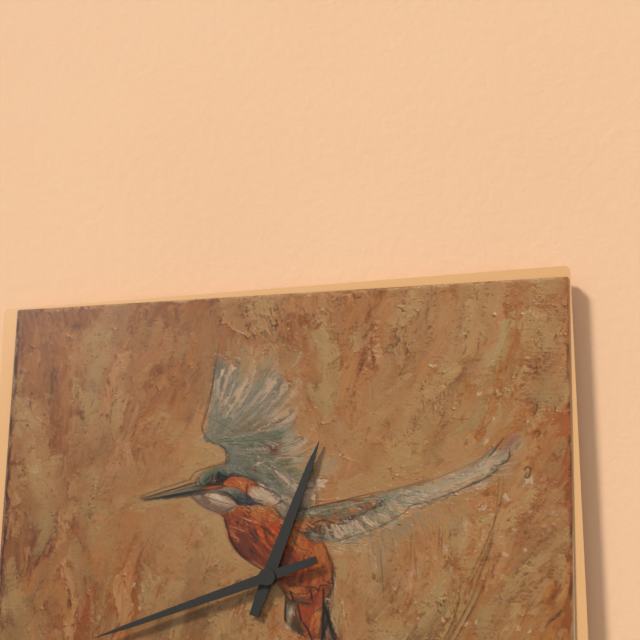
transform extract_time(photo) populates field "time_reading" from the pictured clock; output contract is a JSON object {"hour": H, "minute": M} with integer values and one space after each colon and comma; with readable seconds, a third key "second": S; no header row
{"hour": 12, "minute": 42}
